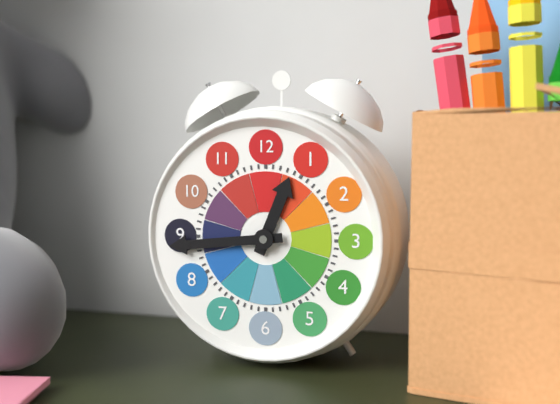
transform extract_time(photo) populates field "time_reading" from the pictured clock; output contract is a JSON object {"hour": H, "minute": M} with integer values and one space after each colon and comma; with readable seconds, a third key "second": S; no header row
{"hour": 12, "minute": 44}
